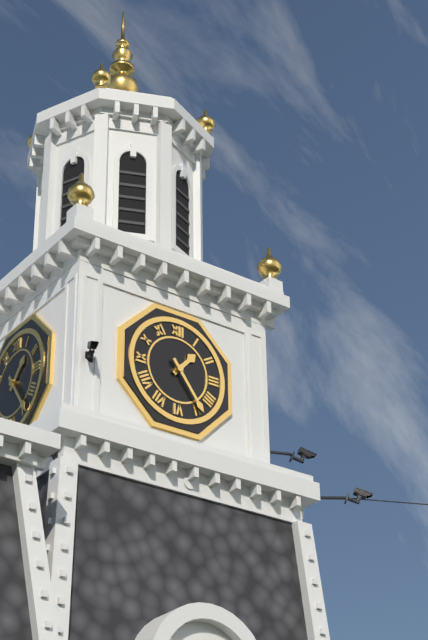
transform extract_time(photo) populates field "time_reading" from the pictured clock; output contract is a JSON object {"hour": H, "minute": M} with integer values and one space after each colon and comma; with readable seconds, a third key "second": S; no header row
{"hour": 1, "minute": 24}
